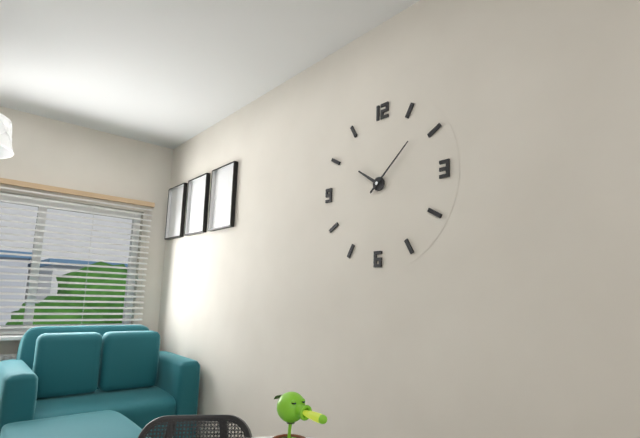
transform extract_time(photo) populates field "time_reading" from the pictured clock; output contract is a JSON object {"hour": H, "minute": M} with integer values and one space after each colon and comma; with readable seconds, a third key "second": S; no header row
{"hour": 10, "minute": 8}
